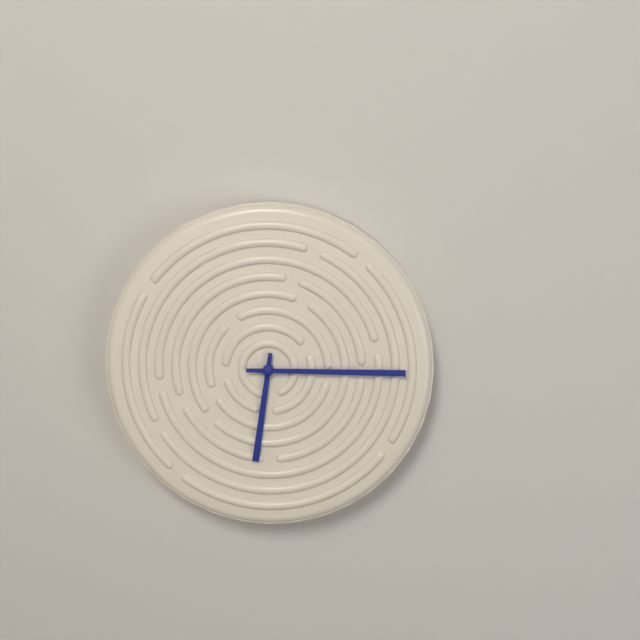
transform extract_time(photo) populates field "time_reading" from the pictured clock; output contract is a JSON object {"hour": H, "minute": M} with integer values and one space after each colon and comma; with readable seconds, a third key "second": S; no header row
{"hour": 6, "minute": 15}
